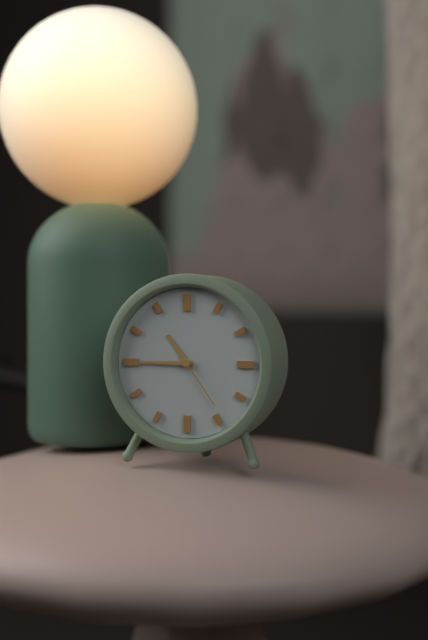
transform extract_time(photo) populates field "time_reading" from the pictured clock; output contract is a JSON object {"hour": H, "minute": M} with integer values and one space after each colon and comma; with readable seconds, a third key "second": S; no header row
{"hour": 10, "minute": 45, "second": 24}
